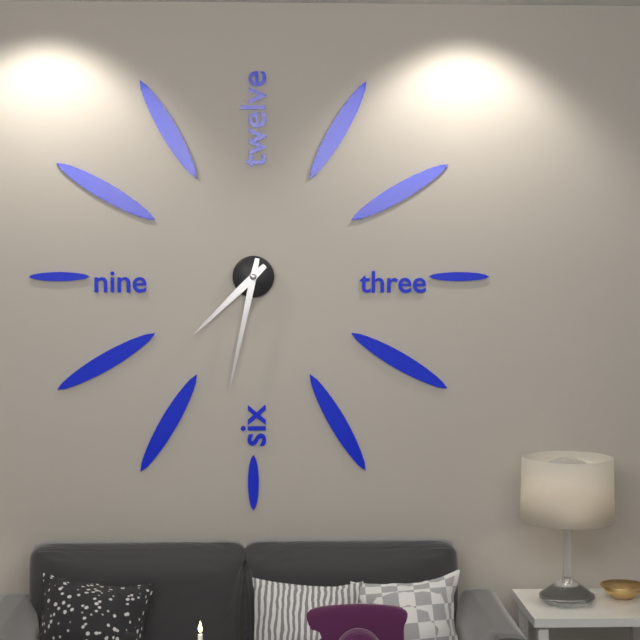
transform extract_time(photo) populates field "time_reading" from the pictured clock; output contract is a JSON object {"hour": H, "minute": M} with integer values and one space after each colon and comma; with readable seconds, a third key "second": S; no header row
{"hour": 7, "minute": 32}
